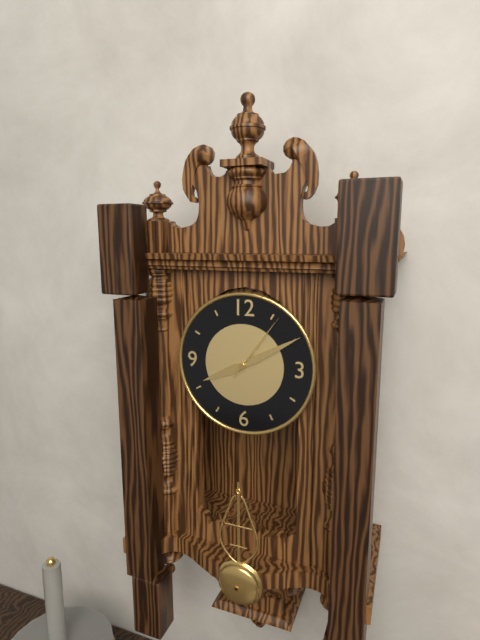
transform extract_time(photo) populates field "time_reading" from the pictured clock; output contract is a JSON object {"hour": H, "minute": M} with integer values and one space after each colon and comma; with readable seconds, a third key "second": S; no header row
{"hour": 8, "minute": 10, "second": 6}
